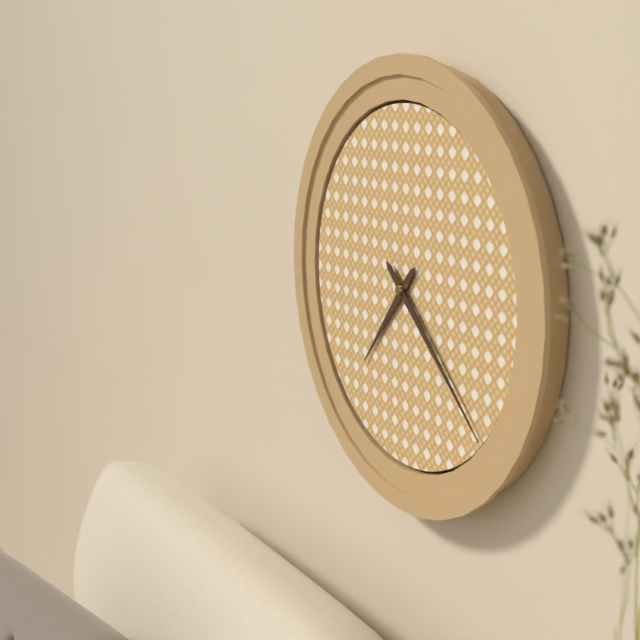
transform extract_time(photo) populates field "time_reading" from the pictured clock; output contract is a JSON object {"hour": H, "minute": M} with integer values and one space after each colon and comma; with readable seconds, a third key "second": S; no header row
{"hour": 7, "minute": 22}
